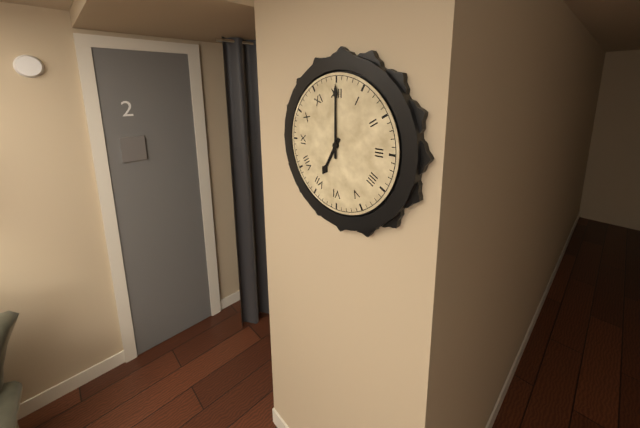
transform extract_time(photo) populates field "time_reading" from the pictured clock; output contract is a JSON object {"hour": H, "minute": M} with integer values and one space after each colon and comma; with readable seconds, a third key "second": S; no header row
{"hour": 7, "minute": 0}
